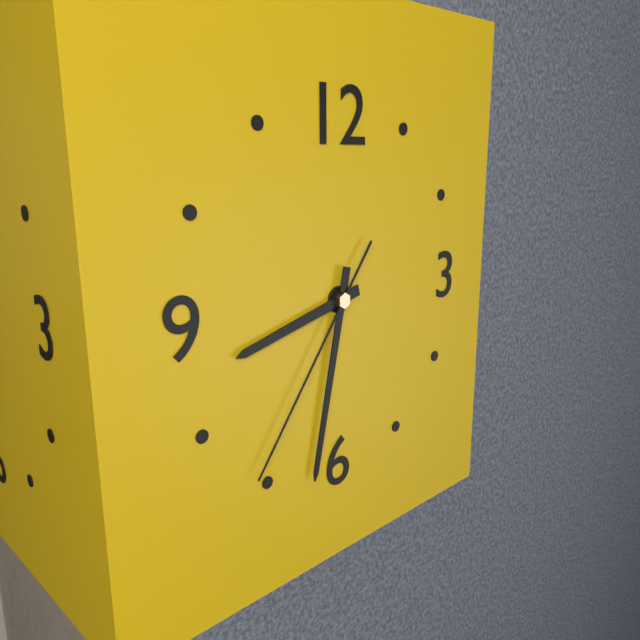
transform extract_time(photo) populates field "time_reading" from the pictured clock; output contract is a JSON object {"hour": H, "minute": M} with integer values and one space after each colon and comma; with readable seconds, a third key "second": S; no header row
{"hour": 8, "minute": 32, "second": 36}
